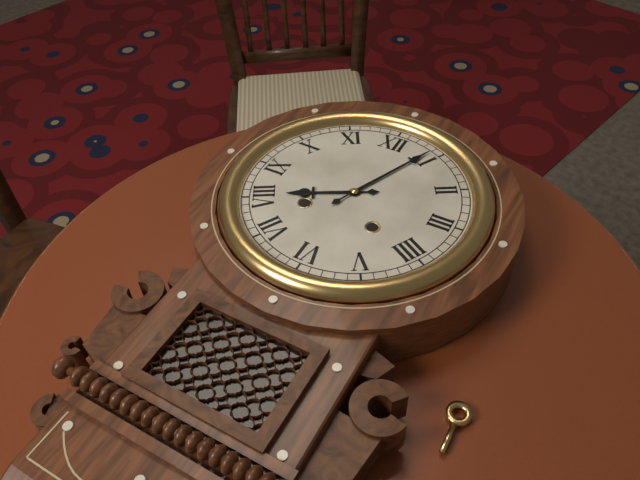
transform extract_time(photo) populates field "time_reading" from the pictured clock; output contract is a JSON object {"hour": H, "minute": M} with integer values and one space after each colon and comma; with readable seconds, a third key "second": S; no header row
{"hour": 8, "minute": 4}
